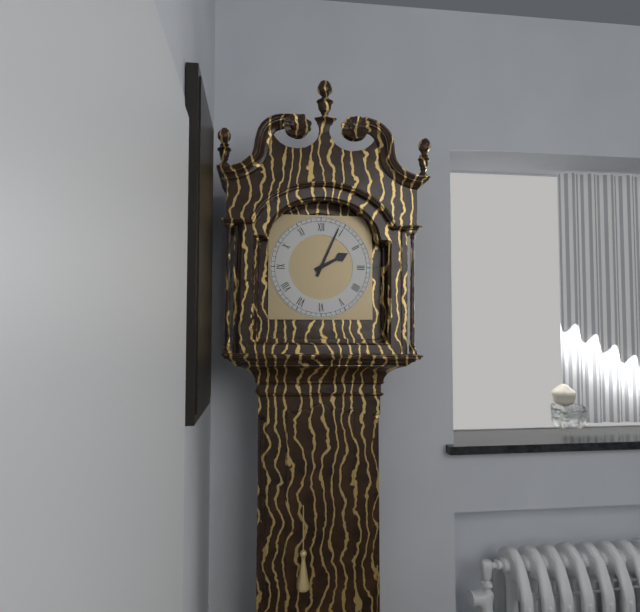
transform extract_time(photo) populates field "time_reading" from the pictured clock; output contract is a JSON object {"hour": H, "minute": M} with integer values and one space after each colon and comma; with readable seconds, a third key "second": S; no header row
{"hour": 2, "minute": 4}
